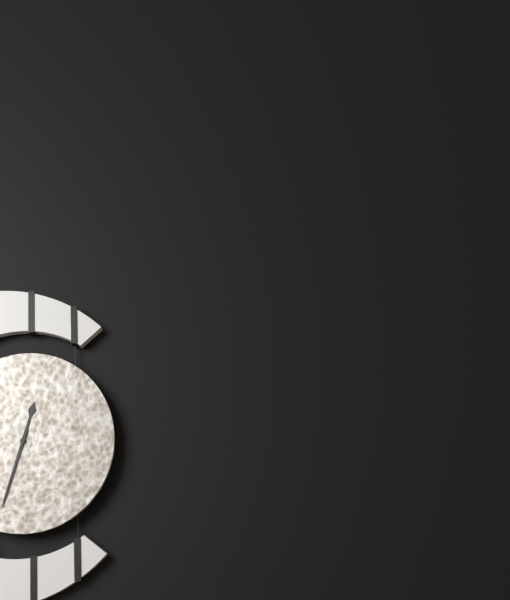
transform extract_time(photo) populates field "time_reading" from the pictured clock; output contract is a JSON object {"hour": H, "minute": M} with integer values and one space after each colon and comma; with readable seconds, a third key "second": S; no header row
{"hour": 12, "minute": 33}
